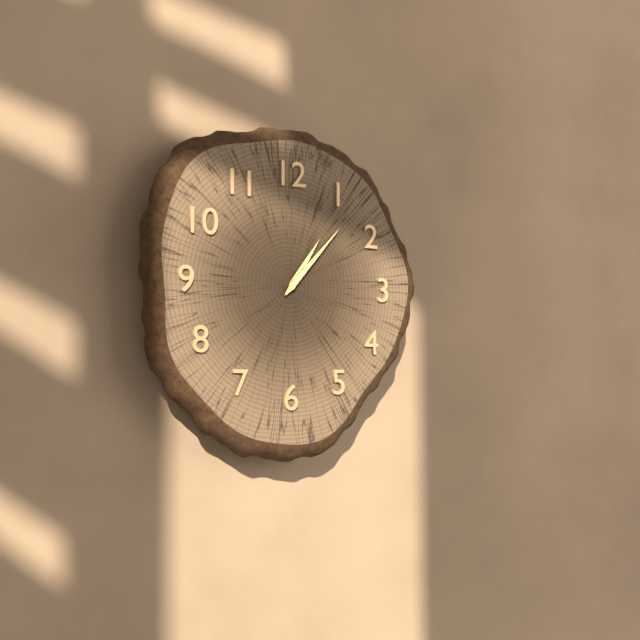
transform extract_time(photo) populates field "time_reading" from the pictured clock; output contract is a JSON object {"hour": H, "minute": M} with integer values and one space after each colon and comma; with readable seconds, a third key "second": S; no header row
{"hour": 1, "minute": 7}
